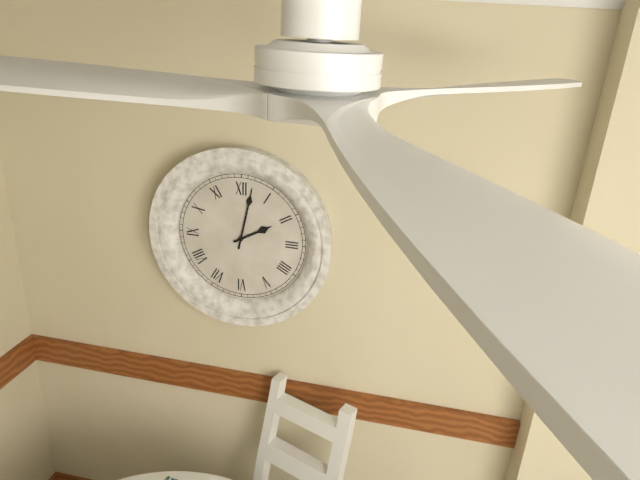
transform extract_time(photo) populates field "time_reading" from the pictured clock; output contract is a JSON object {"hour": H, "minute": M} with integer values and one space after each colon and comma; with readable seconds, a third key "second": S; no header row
{"hour": 2, "minute": 2}
